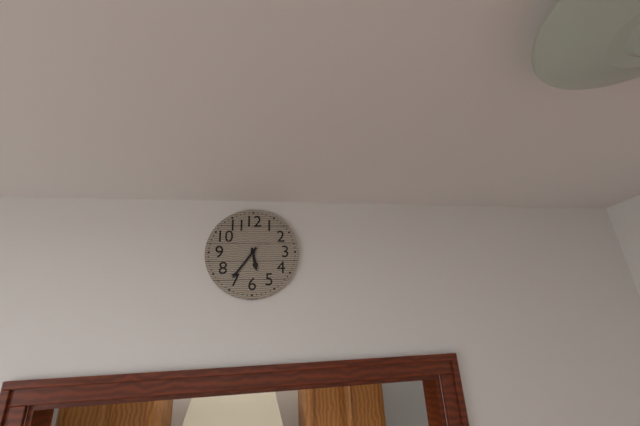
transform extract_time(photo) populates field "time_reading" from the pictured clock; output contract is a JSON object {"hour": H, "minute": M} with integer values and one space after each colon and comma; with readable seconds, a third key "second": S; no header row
{"hour": 5, "minute": 36}
